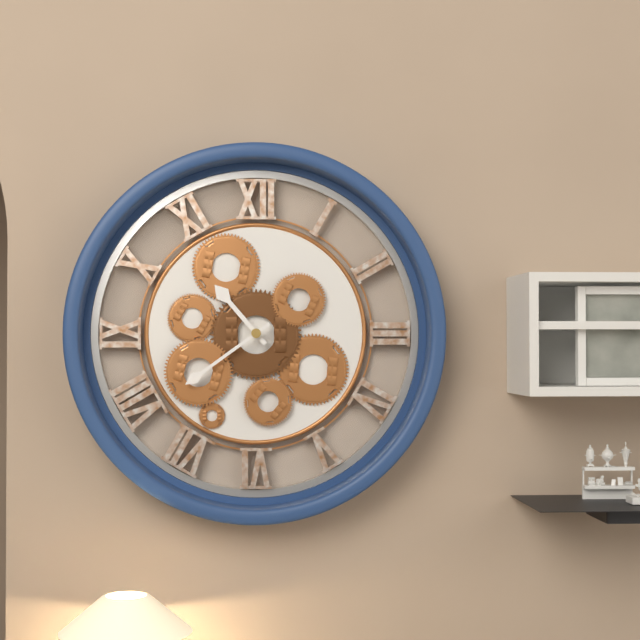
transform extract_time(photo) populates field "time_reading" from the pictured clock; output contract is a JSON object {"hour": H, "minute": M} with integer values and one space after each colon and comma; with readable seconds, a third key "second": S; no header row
{"hour": 10, "minute": 39}
